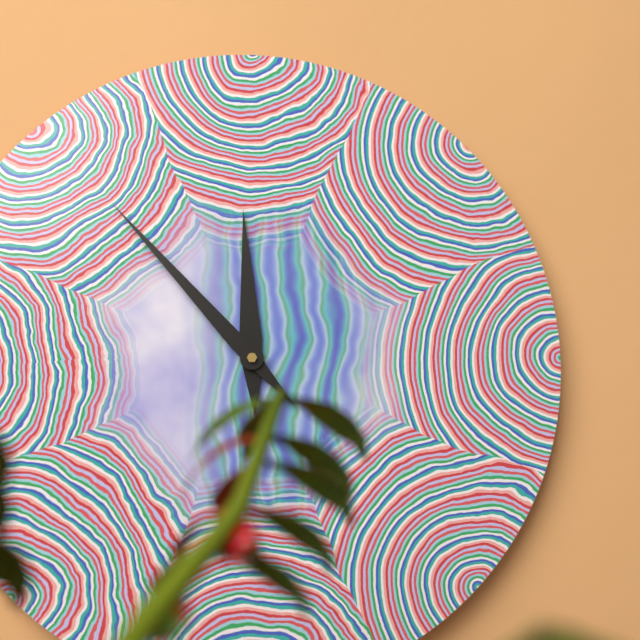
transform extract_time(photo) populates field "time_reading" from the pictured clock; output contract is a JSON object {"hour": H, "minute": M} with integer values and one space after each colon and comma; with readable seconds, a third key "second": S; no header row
{"hour": 11, "minute": 53}
